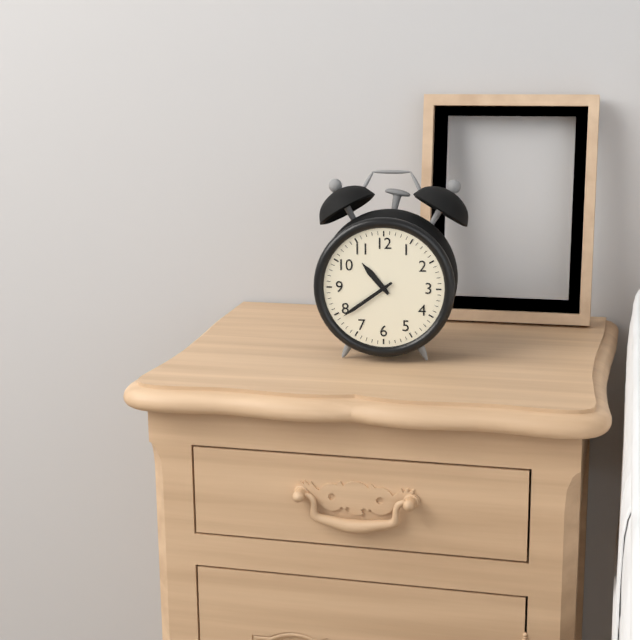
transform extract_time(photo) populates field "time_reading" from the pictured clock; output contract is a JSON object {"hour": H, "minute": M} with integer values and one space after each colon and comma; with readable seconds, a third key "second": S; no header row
{"hour": 10, "minute": 39}
